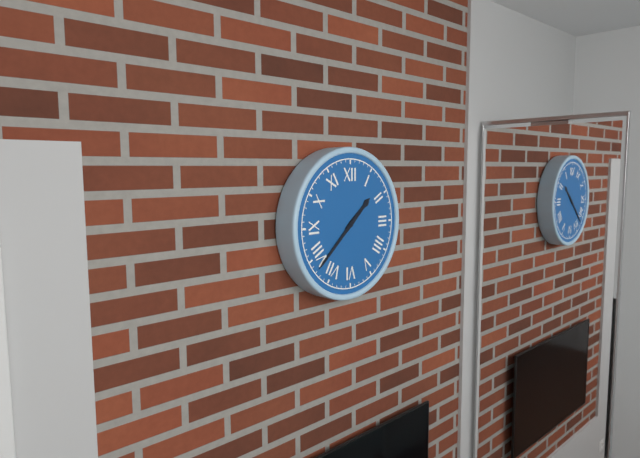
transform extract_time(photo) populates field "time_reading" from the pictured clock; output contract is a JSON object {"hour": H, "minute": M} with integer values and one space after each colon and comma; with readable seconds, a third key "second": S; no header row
{"hour": 1, "minute": 38}
